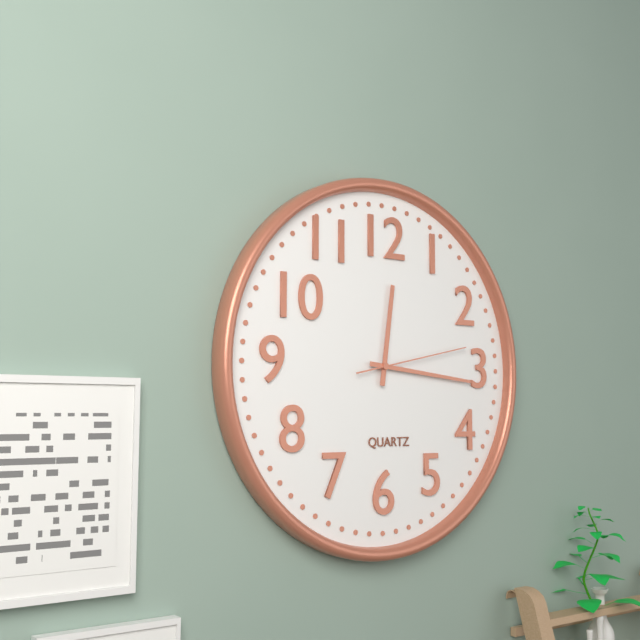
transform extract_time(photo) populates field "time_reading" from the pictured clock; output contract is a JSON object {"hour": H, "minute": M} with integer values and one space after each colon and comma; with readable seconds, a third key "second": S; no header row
{"hour": 12, "minute": 16, "second": 13}
